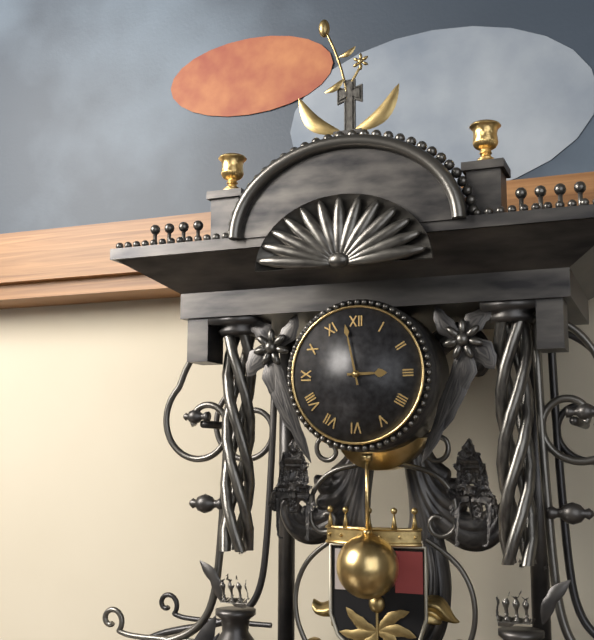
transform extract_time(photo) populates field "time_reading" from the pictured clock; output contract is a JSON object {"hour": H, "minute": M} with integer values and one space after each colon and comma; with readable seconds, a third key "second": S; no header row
{"hour": 2, "minute": 58}
